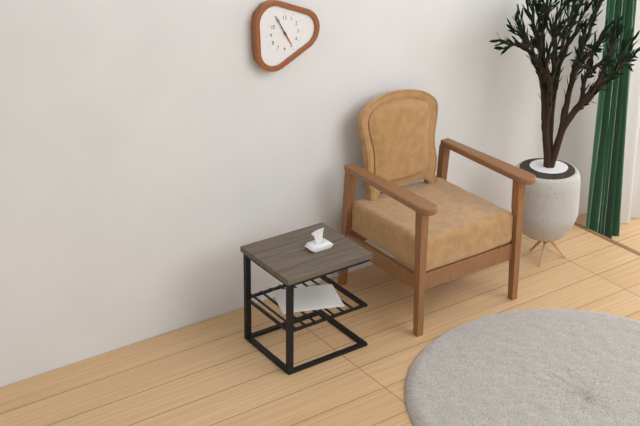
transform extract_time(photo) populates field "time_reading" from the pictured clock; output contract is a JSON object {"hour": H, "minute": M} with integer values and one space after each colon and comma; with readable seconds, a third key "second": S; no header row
{"hour": 4, "minute": 55}
